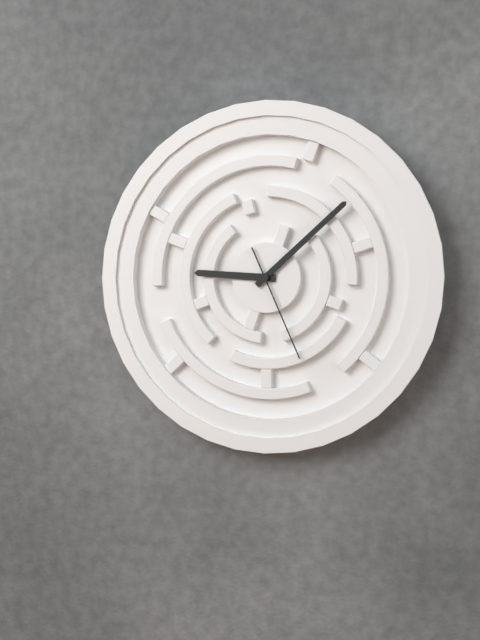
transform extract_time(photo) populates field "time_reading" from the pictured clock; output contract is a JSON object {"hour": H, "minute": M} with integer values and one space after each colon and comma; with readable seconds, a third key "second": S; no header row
{"hour": 9, "minute": 8, "second": 26}
